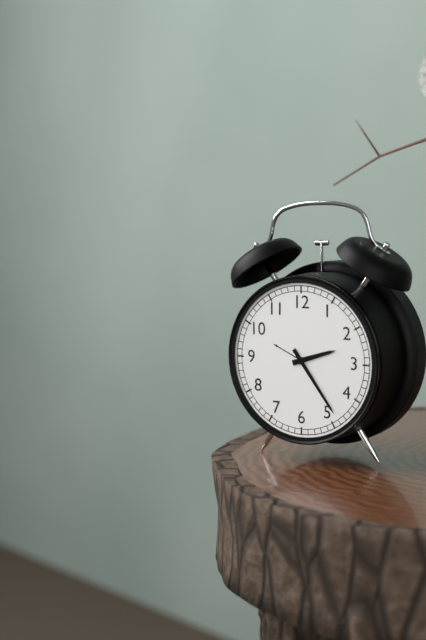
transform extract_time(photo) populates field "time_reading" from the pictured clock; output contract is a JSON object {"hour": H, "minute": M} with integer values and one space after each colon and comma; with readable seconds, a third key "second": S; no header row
{"hour": 2, "minute": 24}
